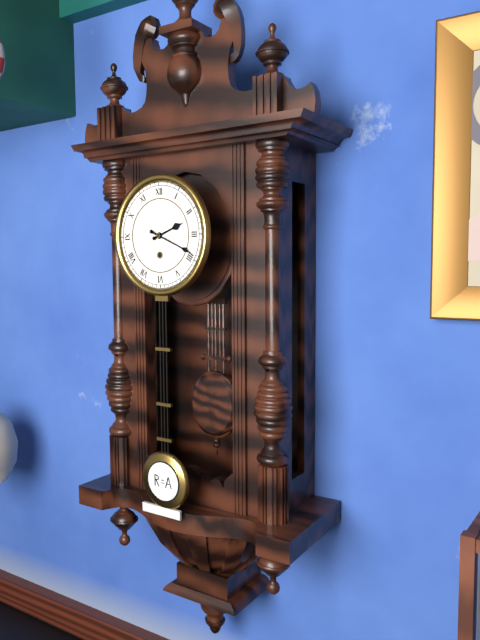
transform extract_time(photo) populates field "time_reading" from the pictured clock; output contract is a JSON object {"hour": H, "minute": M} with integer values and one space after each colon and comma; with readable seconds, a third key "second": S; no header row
{"hour": 2, "minute": 19}
